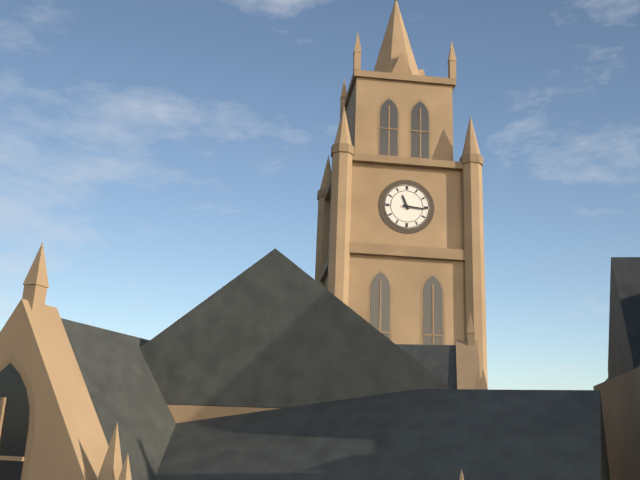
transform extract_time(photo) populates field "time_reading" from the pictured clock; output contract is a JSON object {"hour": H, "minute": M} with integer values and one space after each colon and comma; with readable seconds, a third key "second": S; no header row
{"hour": 11, "minute": 16}
